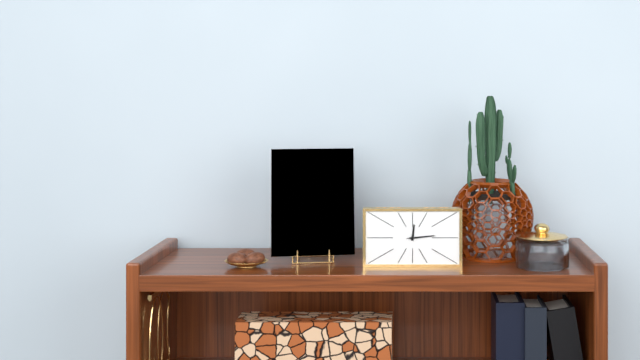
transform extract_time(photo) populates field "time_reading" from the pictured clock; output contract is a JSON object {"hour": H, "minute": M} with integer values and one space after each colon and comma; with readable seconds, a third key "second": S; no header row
{"hour": 12, "minute": 14}
